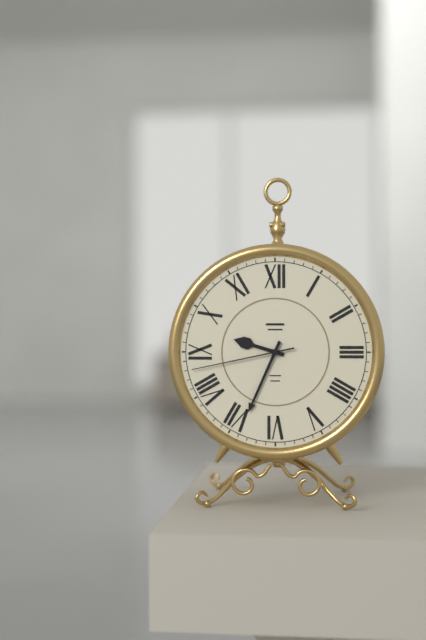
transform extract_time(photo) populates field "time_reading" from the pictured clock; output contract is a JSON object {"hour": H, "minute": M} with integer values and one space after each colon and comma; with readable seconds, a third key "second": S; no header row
{"hour": 9, "minute": 34, "second": 43}
